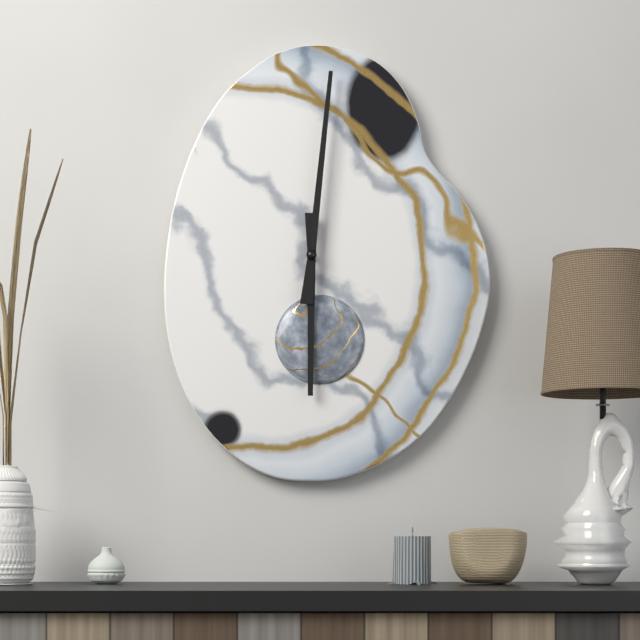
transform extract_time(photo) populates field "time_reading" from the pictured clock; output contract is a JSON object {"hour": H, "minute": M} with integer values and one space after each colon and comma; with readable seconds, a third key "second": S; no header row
{"hour": 6, "minute": 1}
